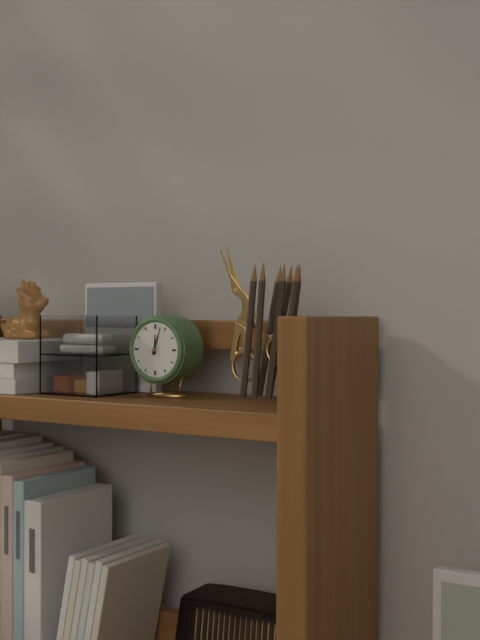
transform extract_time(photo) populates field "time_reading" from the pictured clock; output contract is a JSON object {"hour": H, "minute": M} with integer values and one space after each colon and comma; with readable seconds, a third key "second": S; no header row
{"hour": 12, "minute": 3}
